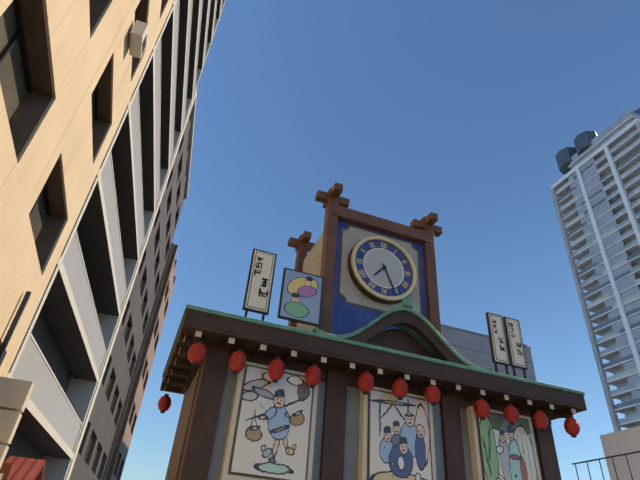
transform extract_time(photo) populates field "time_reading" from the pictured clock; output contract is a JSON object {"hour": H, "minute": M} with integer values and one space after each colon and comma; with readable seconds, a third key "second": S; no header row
{"hour": 7, "minute": 26}
